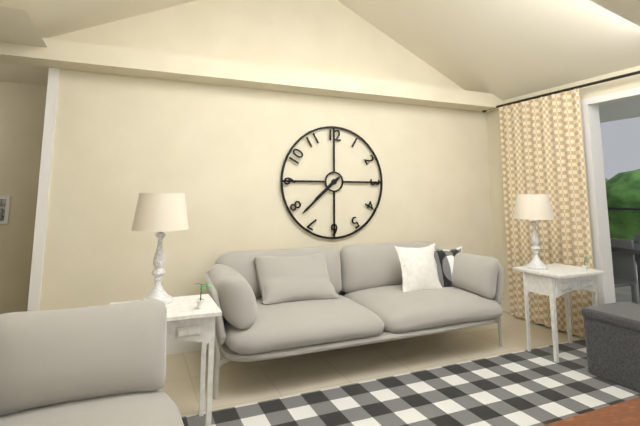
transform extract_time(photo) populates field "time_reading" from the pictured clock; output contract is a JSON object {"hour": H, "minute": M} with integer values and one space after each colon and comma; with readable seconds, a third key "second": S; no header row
{"hour": 7, "minute": 38}
